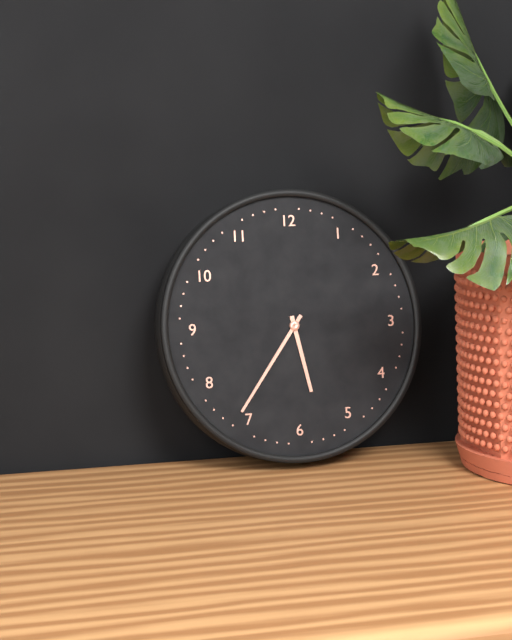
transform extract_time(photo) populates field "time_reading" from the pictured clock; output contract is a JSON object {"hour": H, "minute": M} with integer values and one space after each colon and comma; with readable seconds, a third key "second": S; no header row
{"hour": 5, "minute": 36}
